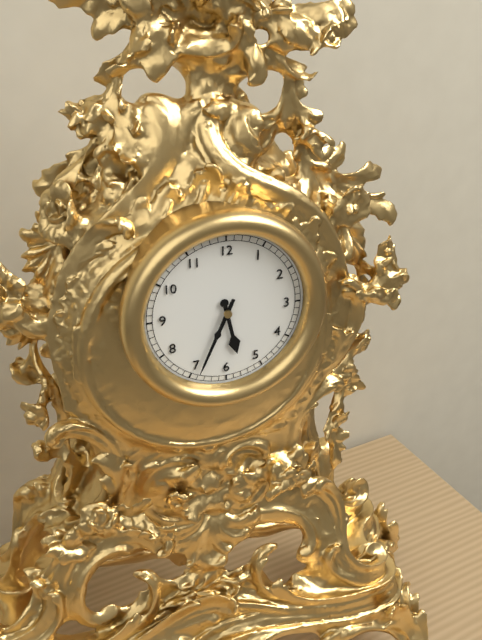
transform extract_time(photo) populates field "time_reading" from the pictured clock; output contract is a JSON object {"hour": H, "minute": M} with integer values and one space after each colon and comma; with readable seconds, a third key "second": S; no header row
{"hour": 5, "minute": 34}
